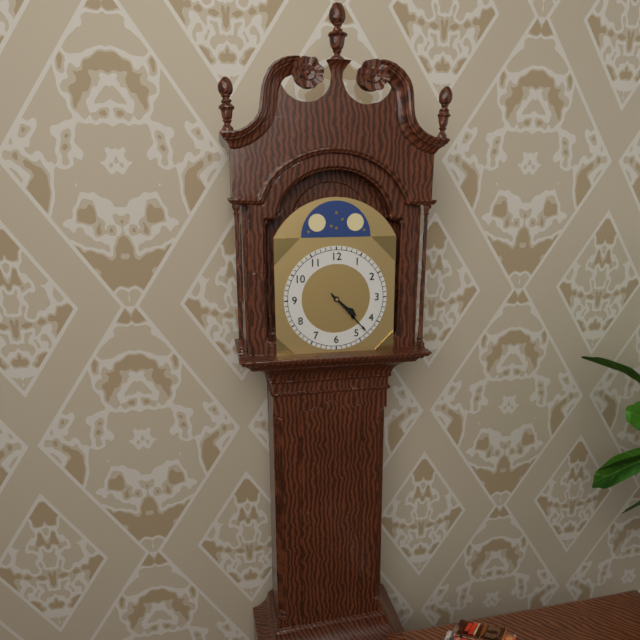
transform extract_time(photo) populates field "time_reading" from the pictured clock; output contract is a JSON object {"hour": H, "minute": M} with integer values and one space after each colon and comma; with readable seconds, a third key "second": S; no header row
{"hour": 4, "minute": 23}
